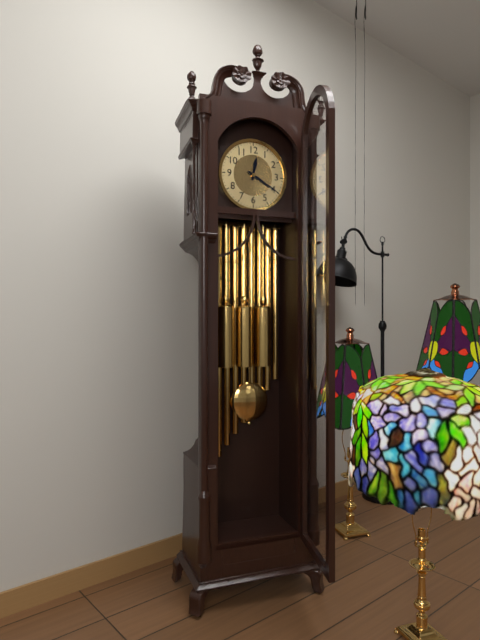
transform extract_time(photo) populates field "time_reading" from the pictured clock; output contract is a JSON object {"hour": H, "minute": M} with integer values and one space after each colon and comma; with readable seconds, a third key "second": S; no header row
{"hour": 12, "minute": 20}
